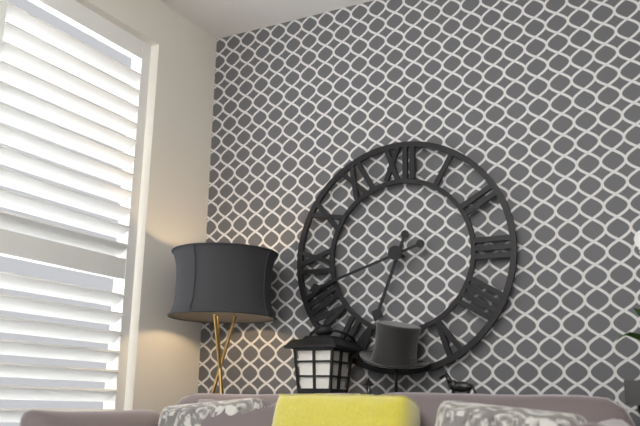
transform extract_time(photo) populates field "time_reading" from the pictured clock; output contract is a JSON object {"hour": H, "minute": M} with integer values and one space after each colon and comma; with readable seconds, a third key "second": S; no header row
{"hour": 6, "minute": 42}
